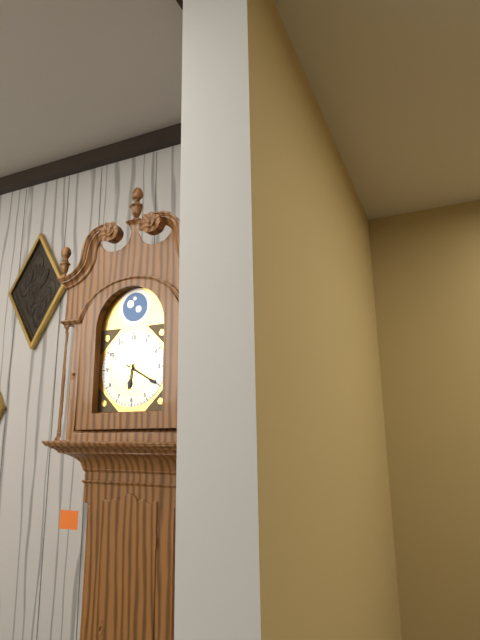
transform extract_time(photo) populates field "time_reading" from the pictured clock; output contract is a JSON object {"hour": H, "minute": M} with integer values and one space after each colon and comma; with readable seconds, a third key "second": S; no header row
{"hour": 6, "minute": 20}
